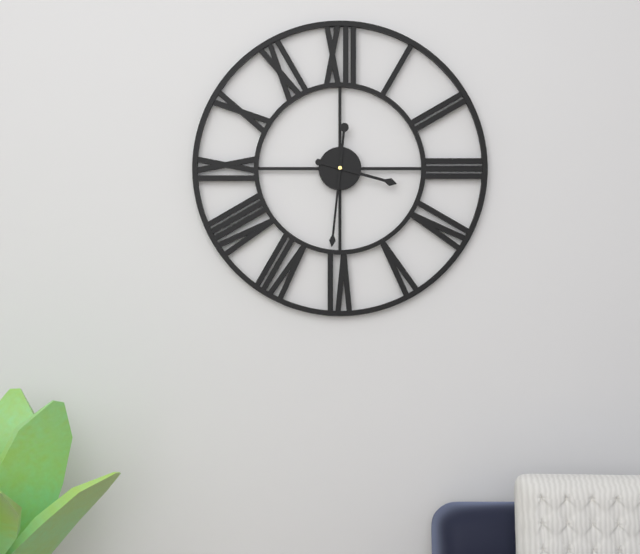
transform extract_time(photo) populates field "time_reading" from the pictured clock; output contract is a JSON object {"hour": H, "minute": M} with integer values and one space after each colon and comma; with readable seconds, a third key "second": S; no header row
{"hour": 3, "minute": 31}
